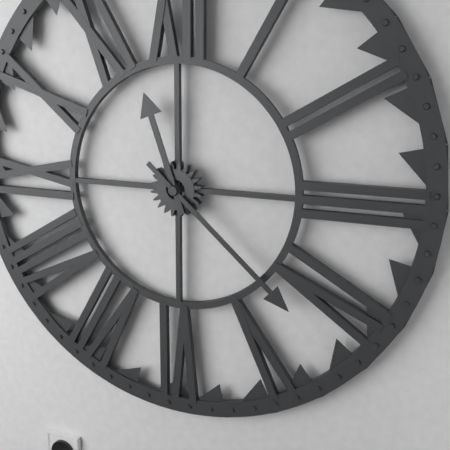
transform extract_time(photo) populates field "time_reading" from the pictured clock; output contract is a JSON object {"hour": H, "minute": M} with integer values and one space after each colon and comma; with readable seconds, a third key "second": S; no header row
{"hour": 11, "minute": 22}
